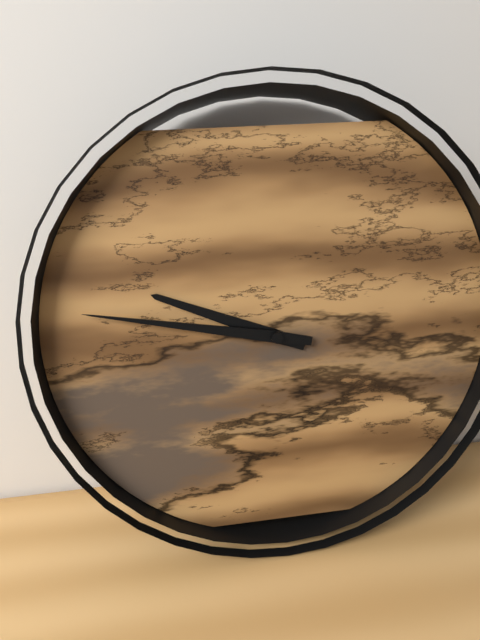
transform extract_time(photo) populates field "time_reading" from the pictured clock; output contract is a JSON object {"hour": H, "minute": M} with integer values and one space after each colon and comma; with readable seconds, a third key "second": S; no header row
{"hour": 9, "minute": 47}
